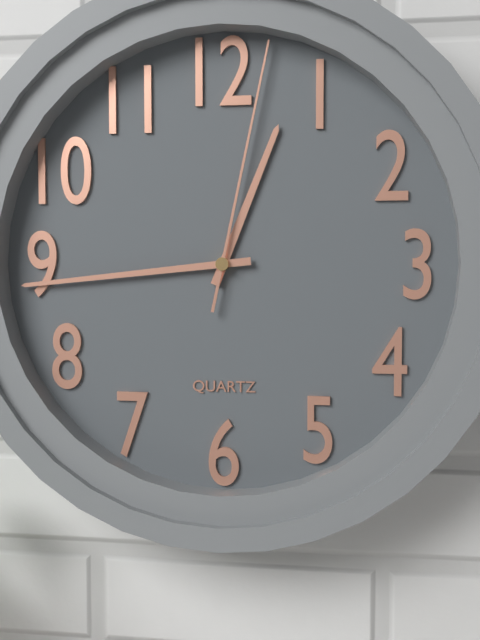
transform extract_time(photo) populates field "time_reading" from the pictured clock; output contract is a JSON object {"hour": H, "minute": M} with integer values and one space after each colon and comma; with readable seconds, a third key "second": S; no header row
{"hour": 12, "minute": 44, "second": 2}
